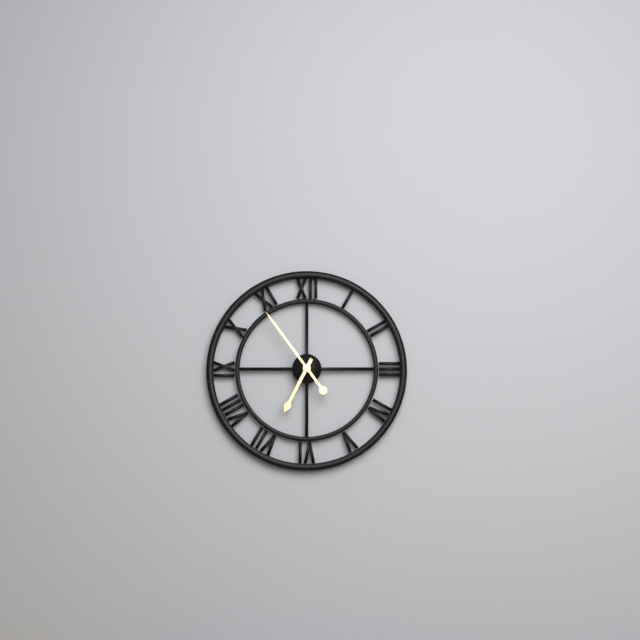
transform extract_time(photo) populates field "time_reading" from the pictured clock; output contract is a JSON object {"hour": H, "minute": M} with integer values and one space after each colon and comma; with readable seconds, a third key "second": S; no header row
{"hour": 6, "minute": 54}
